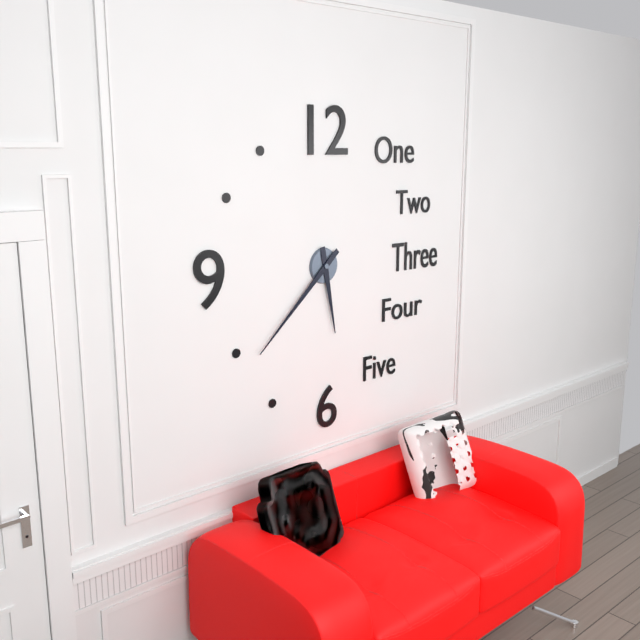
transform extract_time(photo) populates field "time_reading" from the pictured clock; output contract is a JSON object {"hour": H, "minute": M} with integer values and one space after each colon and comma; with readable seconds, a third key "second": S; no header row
{"hour": 5, "minute": 38}
